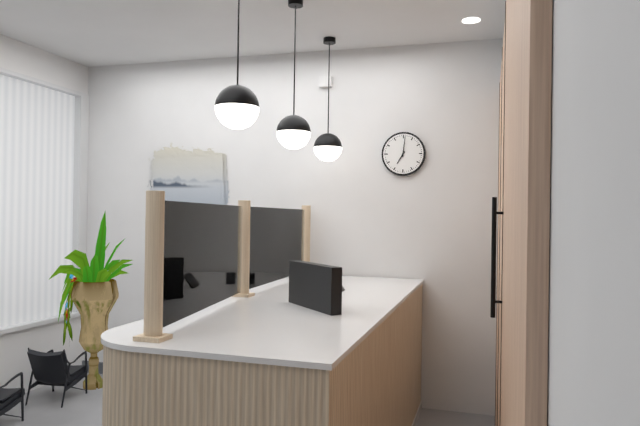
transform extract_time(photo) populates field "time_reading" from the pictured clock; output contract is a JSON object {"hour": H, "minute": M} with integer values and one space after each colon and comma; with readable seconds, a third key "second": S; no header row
{"hour": 7, "minute": 1}
